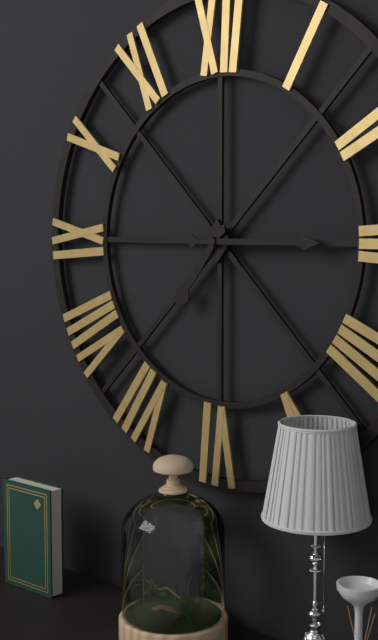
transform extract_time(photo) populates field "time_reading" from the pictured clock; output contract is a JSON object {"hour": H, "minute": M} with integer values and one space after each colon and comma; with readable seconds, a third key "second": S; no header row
{"hour": 7, "minute": 15}
